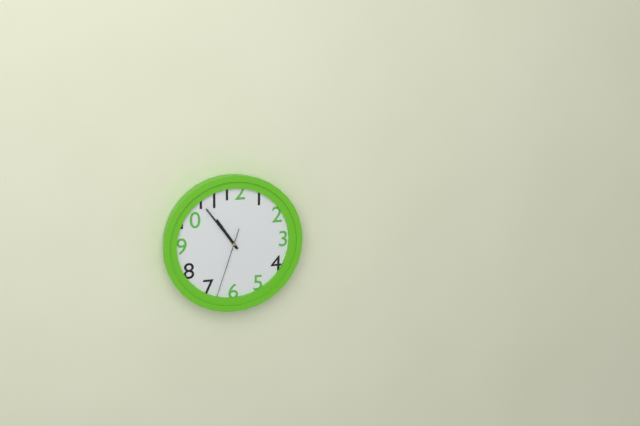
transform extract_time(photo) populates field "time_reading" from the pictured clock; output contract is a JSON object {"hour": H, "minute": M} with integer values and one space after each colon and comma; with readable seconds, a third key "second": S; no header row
{"hour": 10, "minute": 54, "second": 33}
